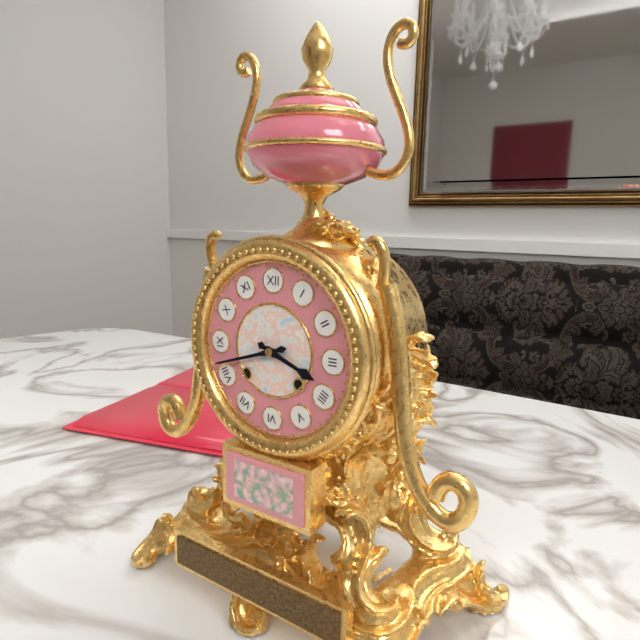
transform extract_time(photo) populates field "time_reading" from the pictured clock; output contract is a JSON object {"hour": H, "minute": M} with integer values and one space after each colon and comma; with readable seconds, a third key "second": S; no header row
{"hour": 3, "minute": 42}
